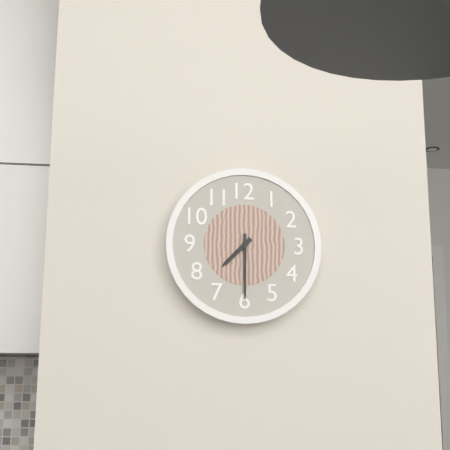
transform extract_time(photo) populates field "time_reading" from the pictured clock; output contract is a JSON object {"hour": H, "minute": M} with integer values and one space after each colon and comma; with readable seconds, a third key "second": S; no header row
{"hour": 7, "minute": 30}
